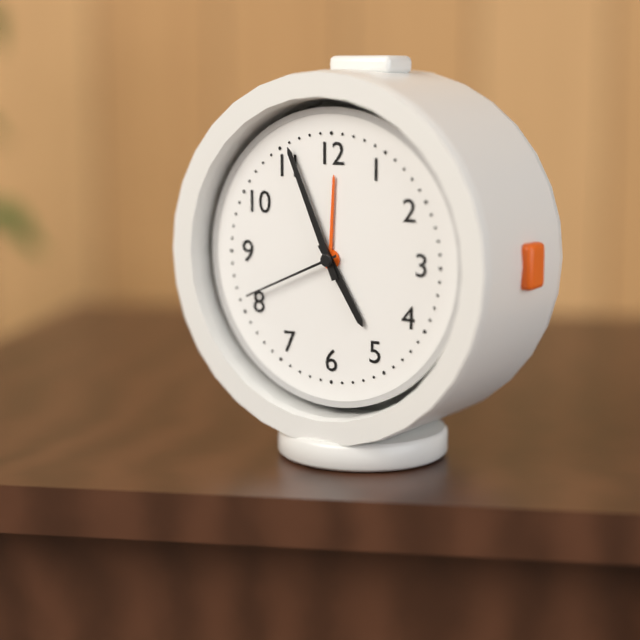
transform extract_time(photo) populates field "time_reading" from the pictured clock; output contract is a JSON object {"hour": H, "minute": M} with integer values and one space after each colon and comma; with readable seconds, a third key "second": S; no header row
{"hour": 4, "minute": 56, "second": 41}
